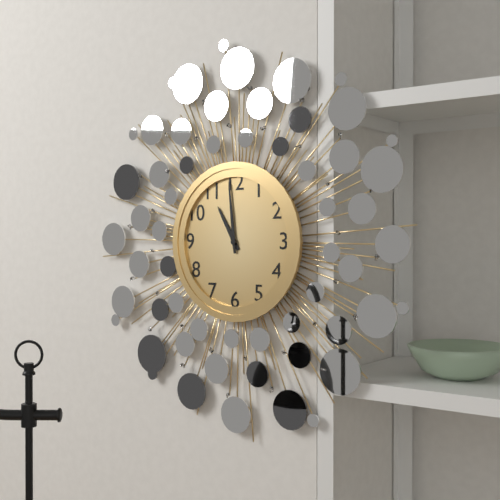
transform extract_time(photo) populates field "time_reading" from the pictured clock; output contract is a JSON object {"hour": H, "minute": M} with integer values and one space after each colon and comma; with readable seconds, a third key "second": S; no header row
{"hour": 10, "minute": 59}
